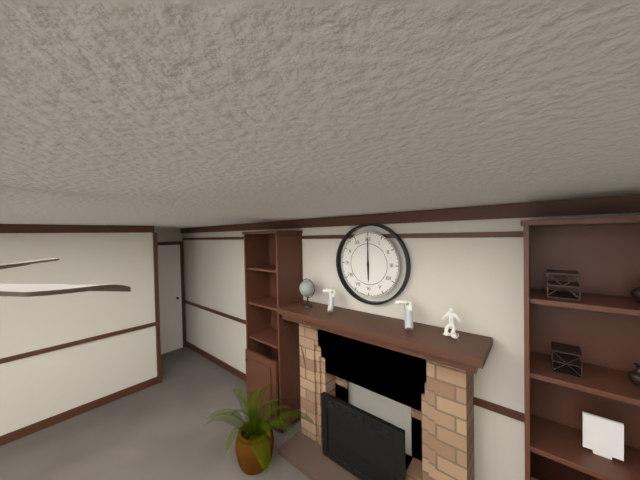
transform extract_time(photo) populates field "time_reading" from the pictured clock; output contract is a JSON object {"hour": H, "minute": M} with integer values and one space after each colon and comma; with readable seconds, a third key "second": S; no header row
{"hour": 6, "minute": 0}
